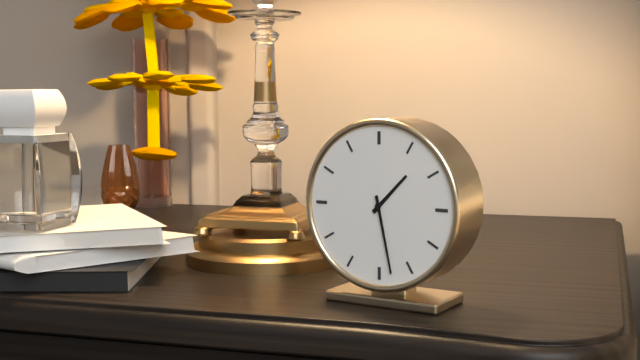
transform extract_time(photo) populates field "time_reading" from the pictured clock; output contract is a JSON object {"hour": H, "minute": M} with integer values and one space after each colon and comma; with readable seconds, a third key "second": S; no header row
{"hour": 1, "minute": 28}
